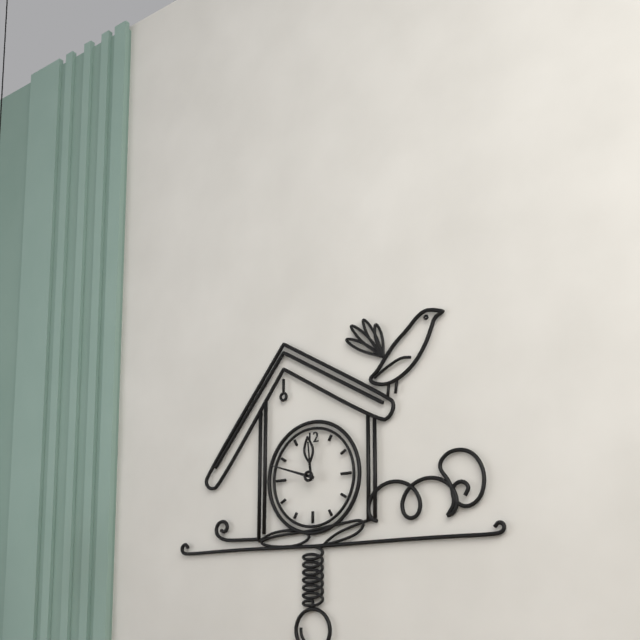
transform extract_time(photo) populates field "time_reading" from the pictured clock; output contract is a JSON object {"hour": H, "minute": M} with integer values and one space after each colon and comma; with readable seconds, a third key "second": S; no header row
{"hour": 11, "minute": 48}
